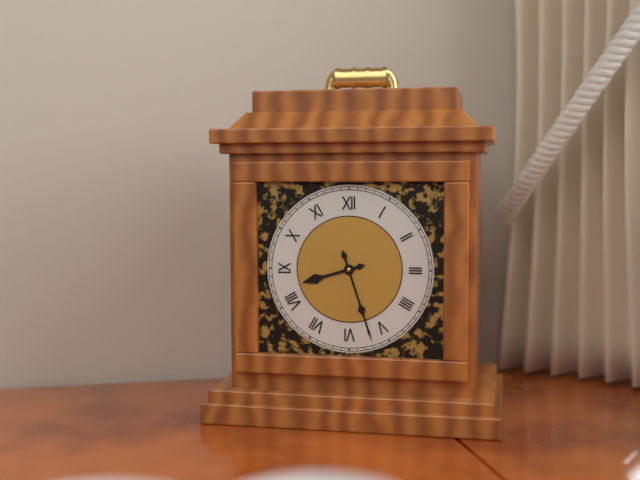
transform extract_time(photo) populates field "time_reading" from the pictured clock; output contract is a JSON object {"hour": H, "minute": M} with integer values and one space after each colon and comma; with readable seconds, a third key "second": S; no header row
{"hour": 8, "minute": 27}
